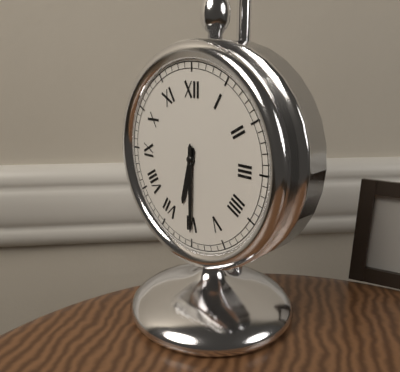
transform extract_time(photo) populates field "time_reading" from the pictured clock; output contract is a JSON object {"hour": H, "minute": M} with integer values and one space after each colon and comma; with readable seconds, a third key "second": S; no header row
{"hour": 6, "minute": 30}
